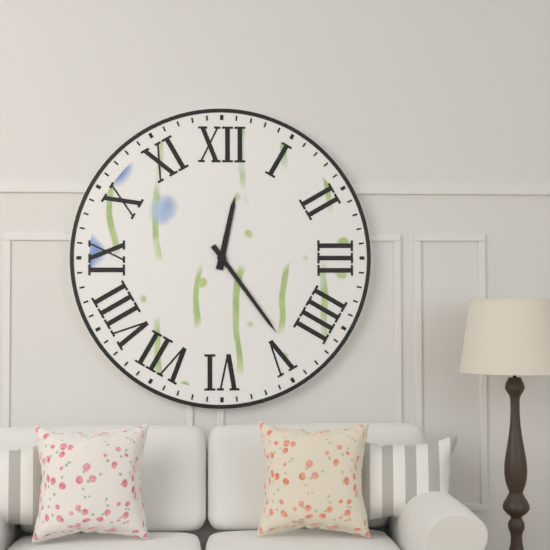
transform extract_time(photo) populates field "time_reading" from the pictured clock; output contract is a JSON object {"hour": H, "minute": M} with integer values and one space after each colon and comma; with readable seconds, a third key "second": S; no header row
{"hour": 12, "minute": 24}
